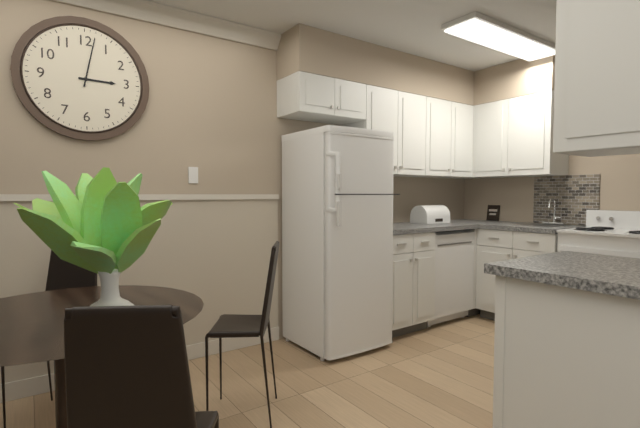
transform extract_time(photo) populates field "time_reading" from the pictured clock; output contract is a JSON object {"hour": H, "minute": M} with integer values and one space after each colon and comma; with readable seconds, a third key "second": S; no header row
{"hour": 3, "minute": 2}
